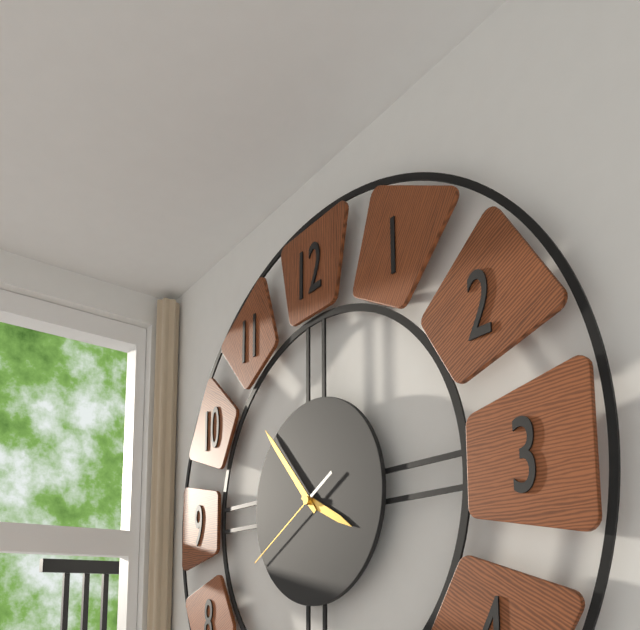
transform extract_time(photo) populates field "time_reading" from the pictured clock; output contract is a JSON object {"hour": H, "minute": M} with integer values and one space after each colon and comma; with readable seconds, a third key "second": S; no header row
{"hour": 3, "minute": 53, "second": 40}
